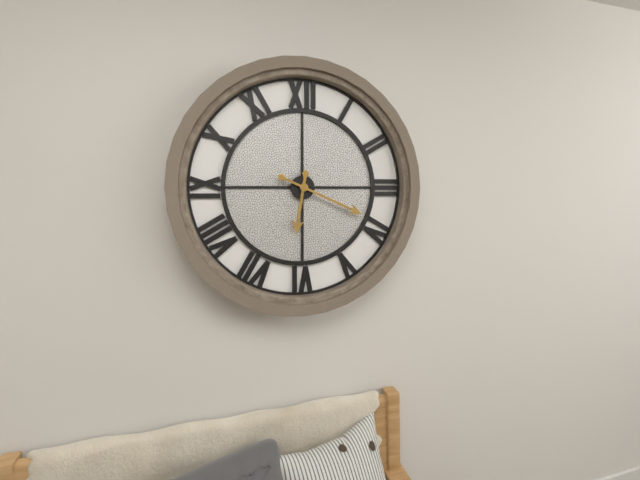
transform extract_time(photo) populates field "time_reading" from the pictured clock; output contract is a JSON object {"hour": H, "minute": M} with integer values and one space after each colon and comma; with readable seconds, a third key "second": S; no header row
{"hour": 6, "minute": 19}
